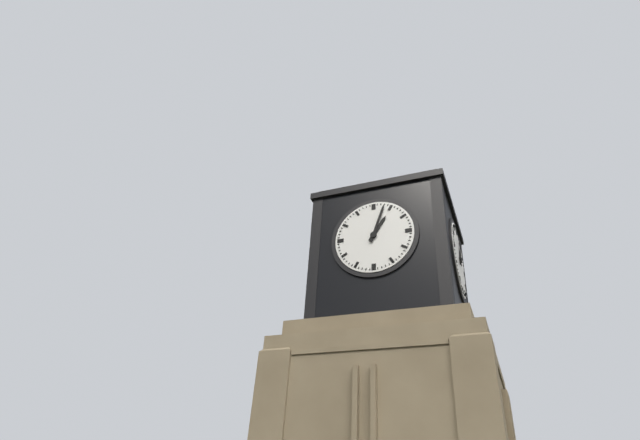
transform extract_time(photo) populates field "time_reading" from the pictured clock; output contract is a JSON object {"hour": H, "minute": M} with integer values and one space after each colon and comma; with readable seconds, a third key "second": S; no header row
{"hour": 1, "minute": 3}
